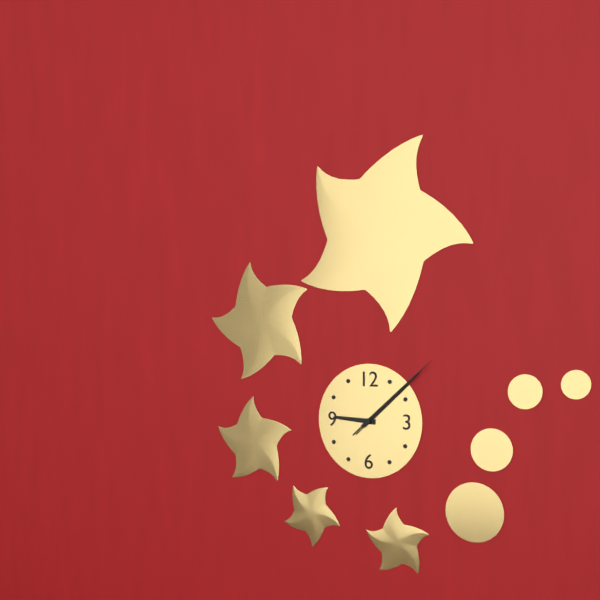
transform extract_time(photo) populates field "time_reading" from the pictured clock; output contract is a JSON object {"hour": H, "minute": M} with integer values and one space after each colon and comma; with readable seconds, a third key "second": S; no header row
{"hour": 9, "minute": 8, "second": 8}
